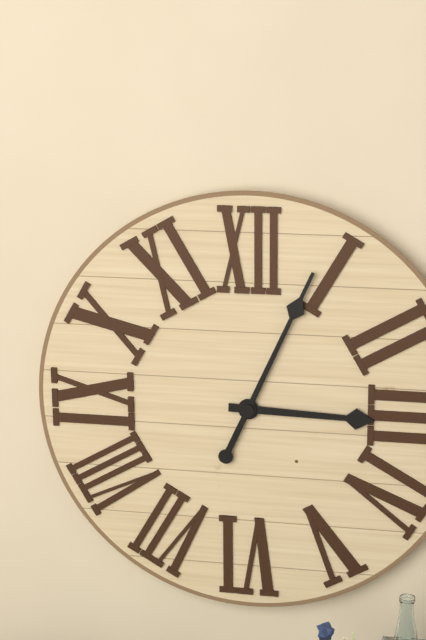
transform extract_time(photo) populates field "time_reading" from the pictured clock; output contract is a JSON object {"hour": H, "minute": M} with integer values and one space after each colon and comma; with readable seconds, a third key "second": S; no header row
{"hour": 3, "minute": 4}
